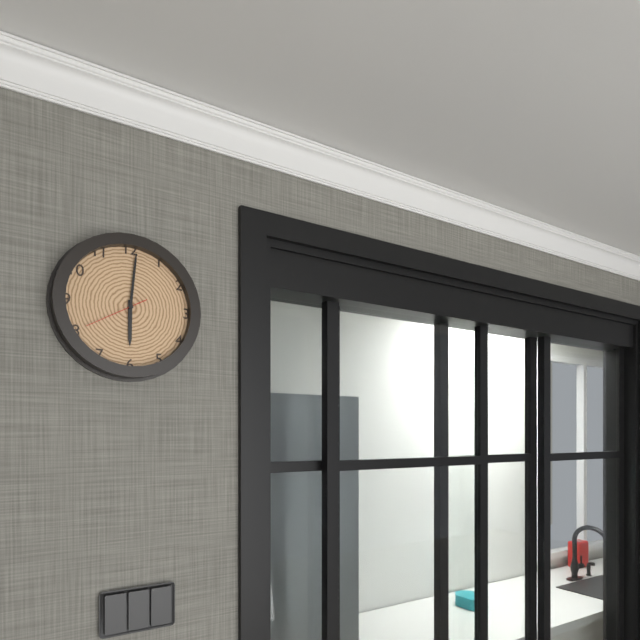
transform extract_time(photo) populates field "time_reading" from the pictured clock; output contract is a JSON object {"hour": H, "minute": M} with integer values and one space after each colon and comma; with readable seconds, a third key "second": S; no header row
{"hour": 6, "minute": 1, "second": 40}
